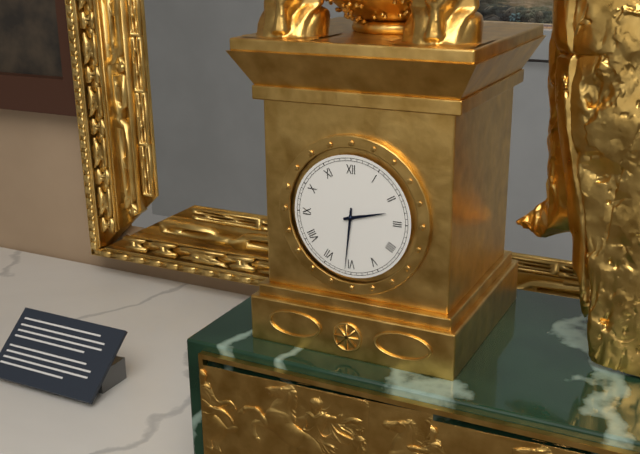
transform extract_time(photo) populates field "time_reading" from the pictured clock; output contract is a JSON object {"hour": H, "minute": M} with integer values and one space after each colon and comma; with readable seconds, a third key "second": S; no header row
{"hour": 2, "minute": 31}
